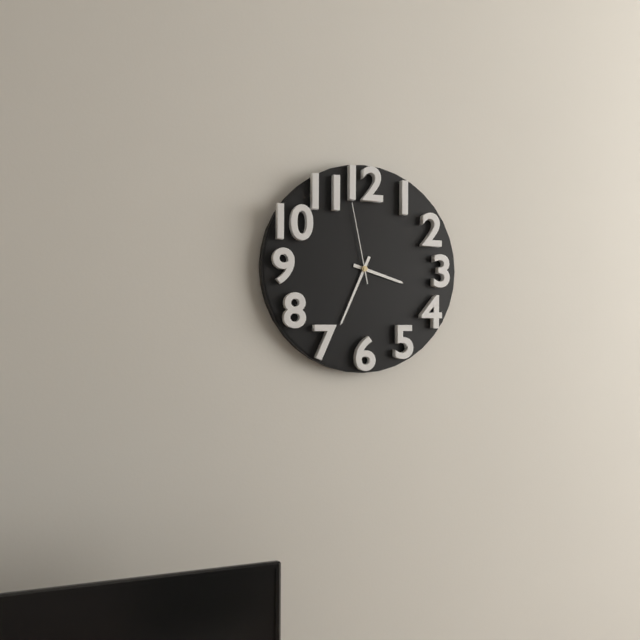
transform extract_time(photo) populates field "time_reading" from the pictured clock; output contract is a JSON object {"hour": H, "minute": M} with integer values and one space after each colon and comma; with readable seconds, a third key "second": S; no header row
{"hour": 3, "minute": 34, "second": 58}
